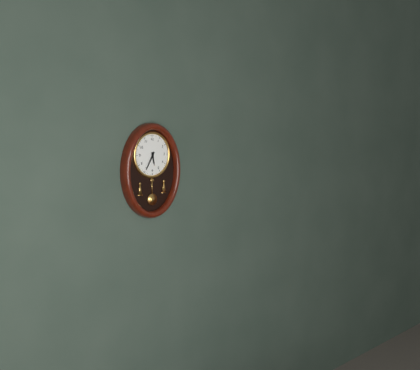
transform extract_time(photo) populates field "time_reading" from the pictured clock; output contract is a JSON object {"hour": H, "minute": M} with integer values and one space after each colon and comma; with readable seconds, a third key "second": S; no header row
{"hour": 5, "minute": 35}
